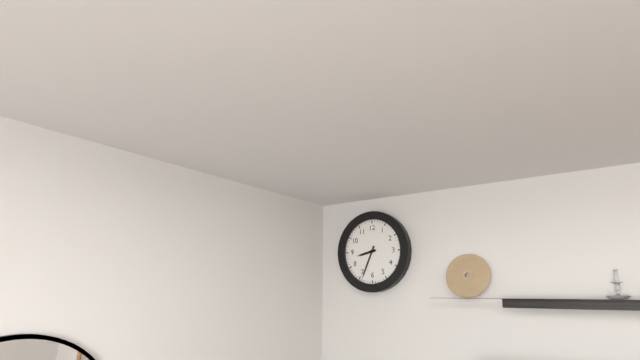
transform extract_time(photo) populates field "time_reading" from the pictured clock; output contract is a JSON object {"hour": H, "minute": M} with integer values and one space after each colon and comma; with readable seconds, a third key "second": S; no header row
{"hour": 8, "minute": 34}
